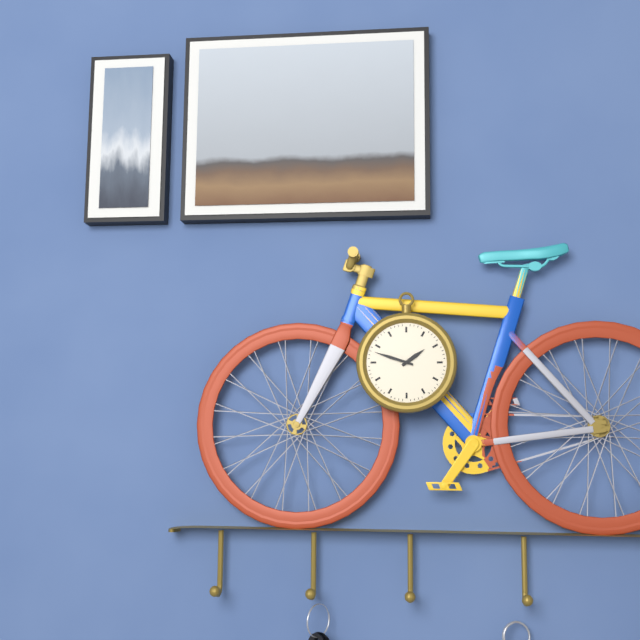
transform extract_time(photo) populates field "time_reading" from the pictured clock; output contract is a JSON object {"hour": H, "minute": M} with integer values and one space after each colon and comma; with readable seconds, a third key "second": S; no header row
{"hour": 1, "minute": 48}
